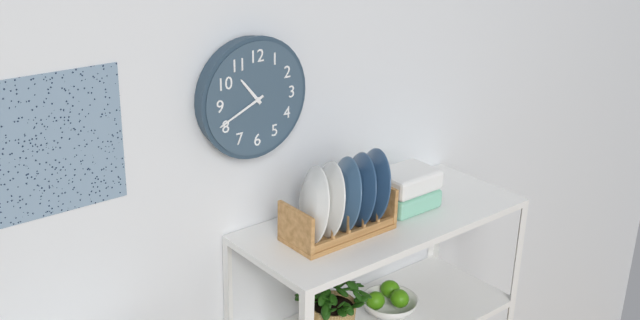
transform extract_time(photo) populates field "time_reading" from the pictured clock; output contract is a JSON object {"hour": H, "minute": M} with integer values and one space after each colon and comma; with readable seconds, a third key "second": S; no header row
{"hour": 10, "minute": 41}
